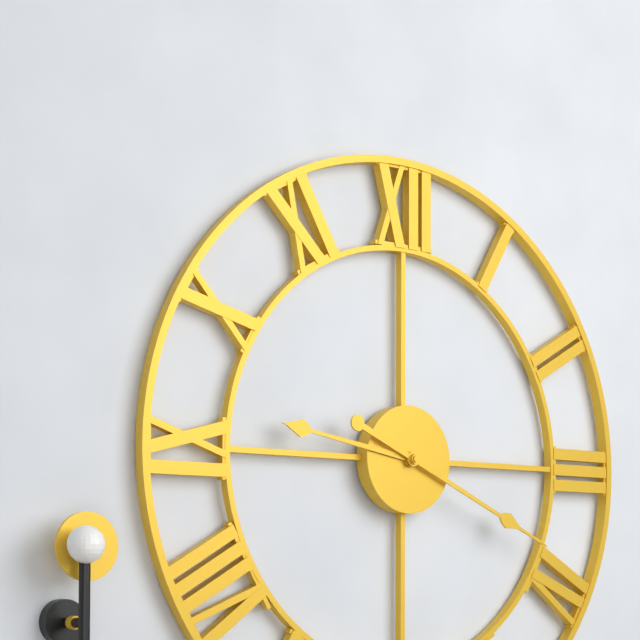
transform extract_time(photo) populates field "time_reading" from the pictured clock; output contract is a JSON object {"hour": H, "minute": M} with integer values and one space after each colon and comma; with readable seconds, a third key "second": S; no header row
{"hour": 9, "minute": 19}
